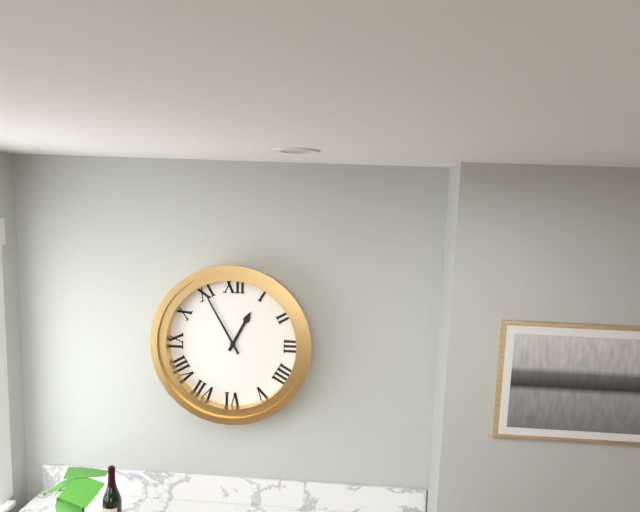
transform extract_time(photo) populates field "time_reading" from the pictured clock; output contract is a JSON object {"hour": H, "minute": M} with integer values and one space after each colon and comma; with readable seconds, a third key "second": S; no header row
{"hour": 12, "minute": 55}
